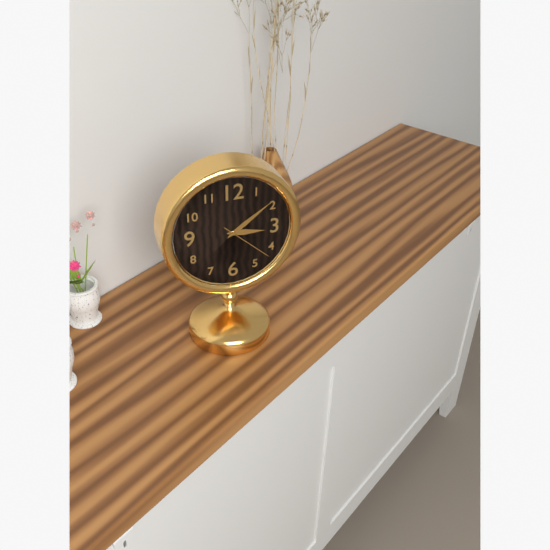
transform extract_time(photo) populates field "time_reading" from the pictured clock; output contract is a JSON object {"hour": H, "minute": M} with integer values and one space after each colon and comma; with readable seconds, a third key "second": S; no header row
{"hour": 3, "minute": 9, "second": 22}
